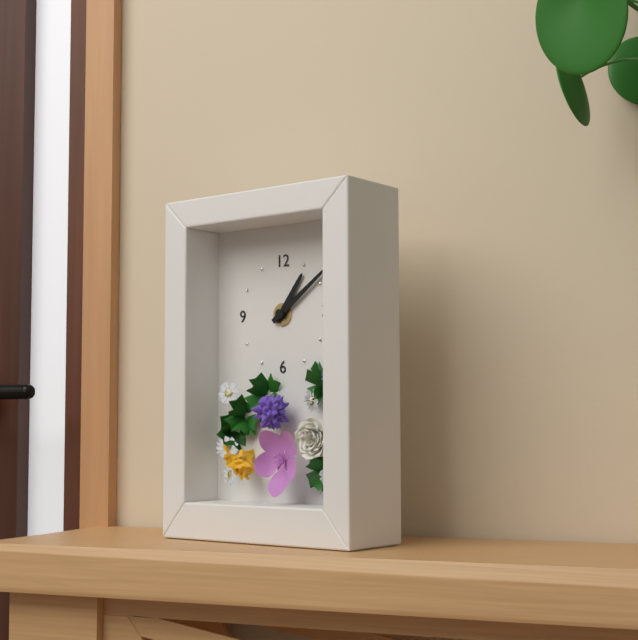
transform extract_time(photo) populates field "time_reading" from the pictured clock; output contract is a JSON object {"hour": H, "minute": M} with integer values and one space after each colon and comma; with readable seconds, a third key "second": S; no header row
{"hour": 1, "minute": 9}
